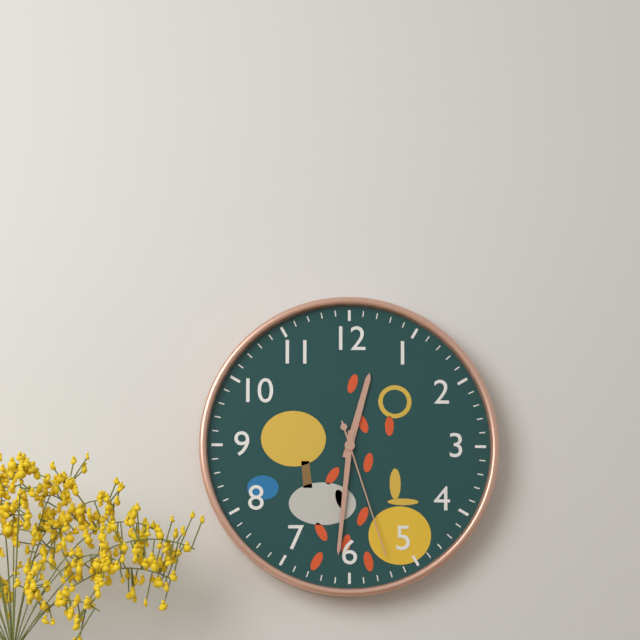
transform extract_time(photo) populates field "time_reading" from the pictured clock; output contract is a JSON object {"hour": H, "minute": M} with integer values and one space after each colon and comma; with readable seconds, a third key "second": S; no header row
{"hour": 12, "minute": 31, "second": 27}
